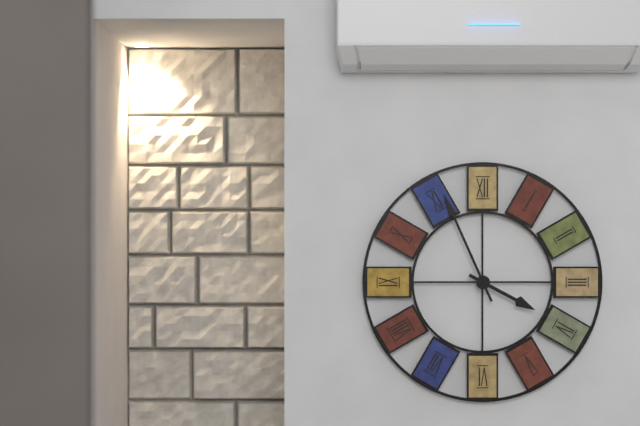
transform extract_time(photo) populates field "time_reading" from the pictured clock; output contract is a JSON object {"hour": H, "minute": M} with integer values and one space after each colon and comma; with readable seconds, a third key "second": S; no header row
{"hour": 3, "minute": 56}
